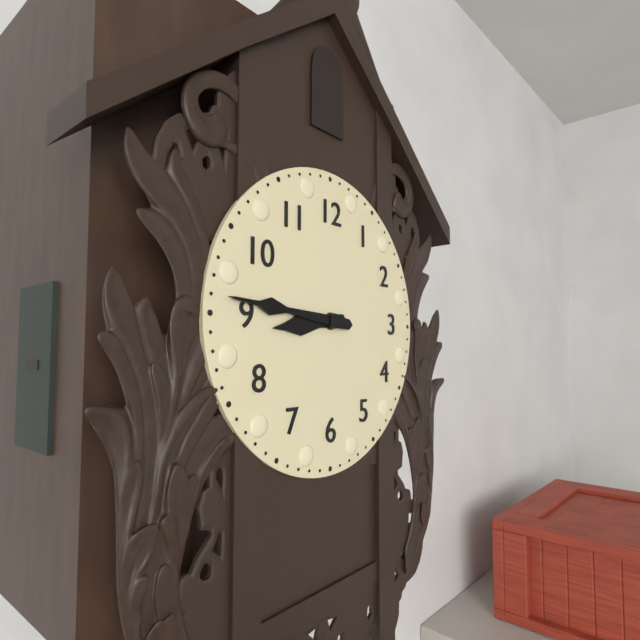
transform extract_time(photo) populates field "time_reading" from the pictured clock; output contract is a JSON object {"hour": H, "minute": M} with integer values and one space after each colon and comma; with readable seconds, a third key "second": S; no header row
{"hour": 8, "minute": 46}
